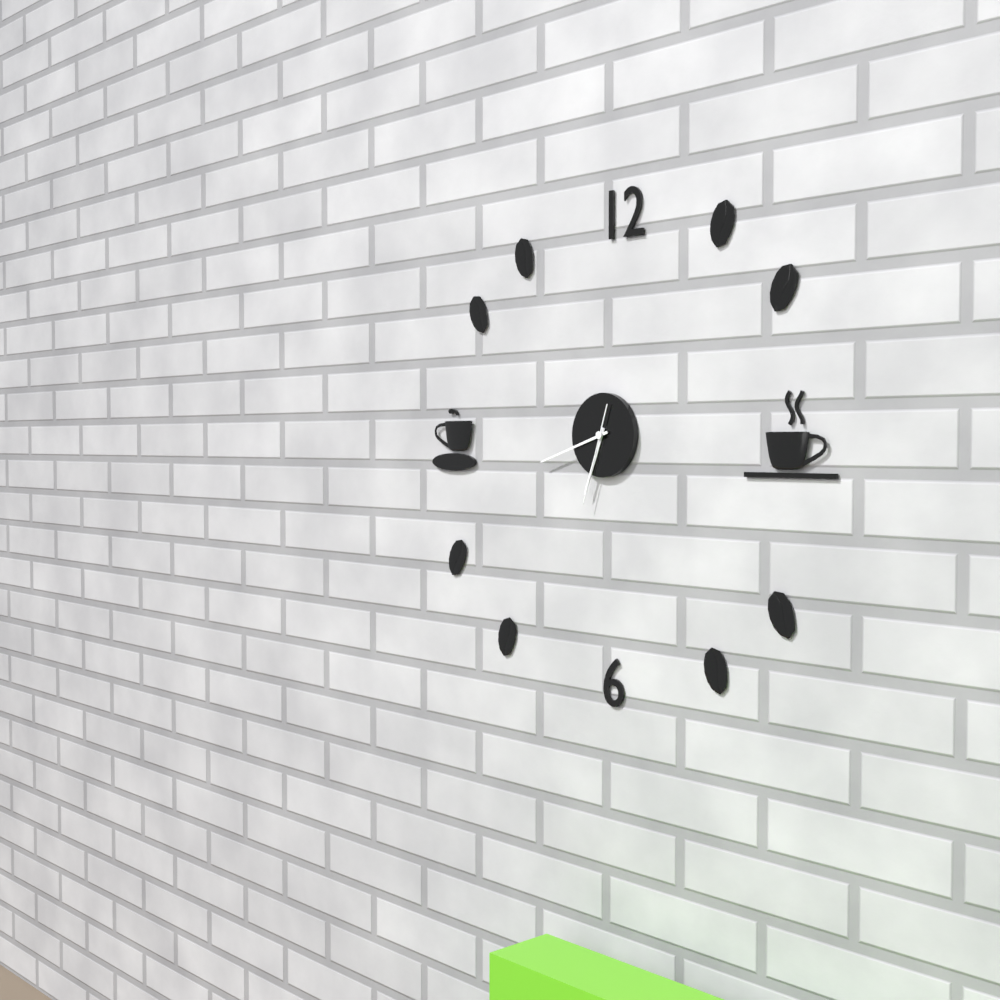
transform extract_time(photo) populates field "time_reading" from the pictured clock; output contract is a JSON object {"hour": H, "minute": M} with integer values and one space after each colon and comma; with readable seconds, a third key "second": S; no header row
{"hour": 6, "minute": 42, "second": 33}
